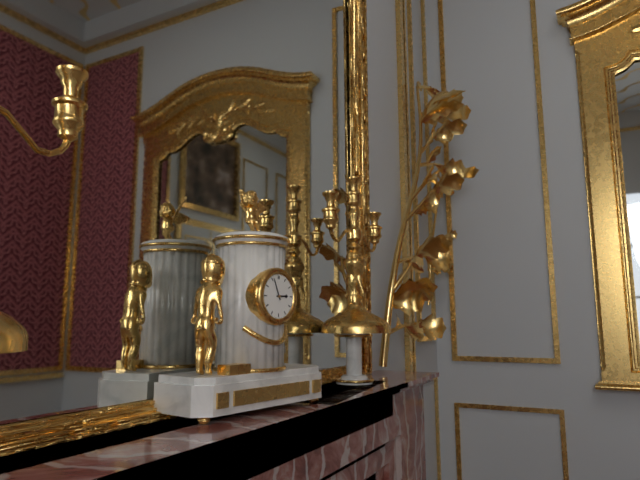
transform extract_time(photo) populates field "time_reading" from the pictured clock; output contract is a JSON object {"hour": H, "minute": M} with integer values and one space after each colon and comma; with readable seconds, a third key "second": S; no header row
{"hour": 2, "minute": 56}
